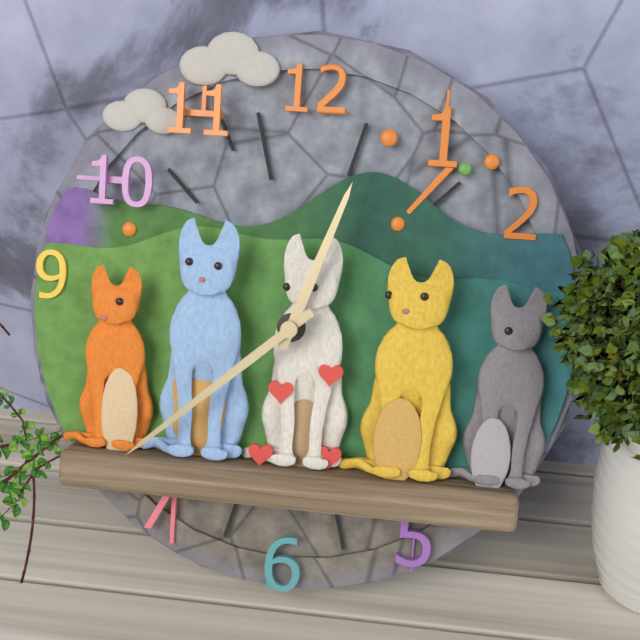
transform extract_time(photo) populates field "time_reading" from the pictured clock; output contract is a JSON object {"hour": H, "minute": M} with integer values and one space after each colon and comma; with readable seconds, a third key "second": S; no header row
{"hour": 12, "minute": 38}
